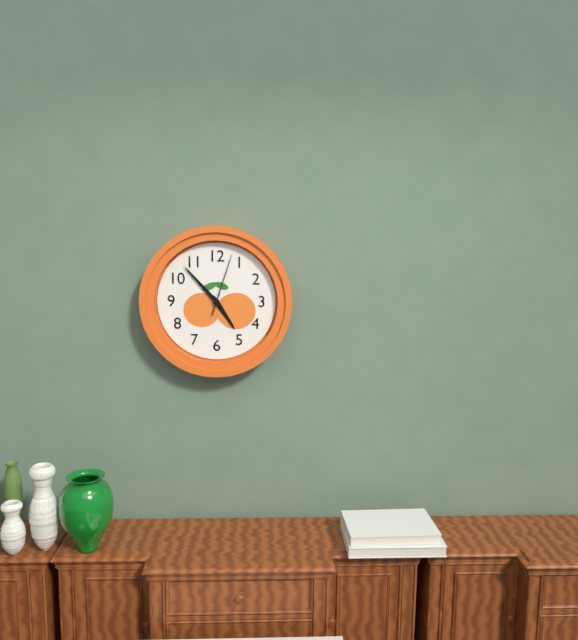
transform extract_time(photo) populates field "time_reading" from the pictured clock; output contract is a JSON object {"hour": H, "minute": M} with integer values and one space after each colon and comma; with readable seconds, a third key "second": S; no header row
{"hour": 4, "minute": 53, "second": 3}
